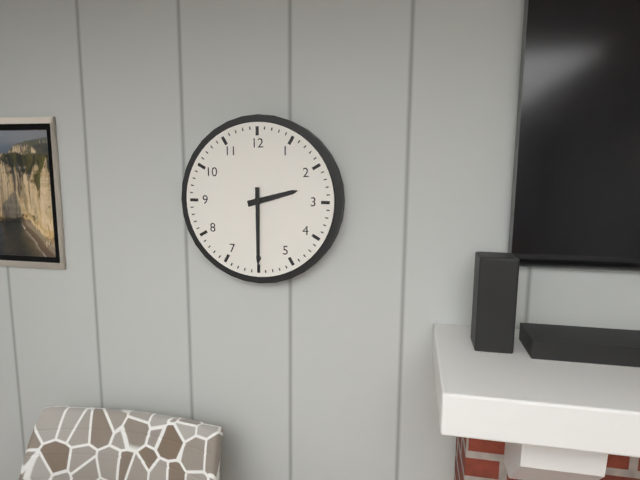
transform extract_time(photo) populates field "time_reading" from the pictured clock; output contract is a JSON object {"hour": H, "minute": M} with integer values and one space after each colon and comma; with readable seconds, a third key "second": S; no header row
{"hour": 2, "minute": 30}
